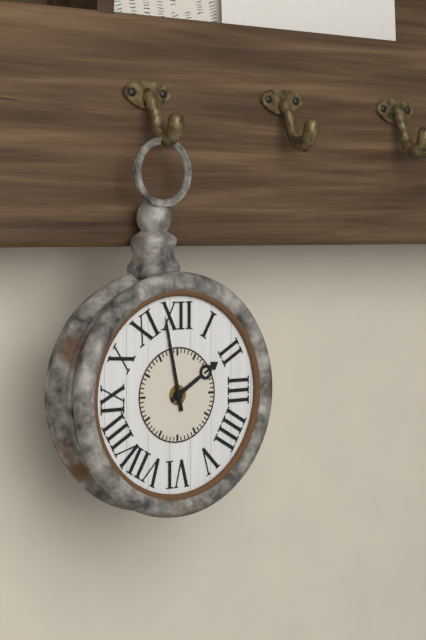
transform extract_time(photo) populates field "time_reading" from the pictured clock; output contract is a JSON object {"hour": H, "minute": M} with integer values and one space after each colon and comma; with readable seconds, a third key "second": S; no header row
{"hour": 1, "minute": 58}
